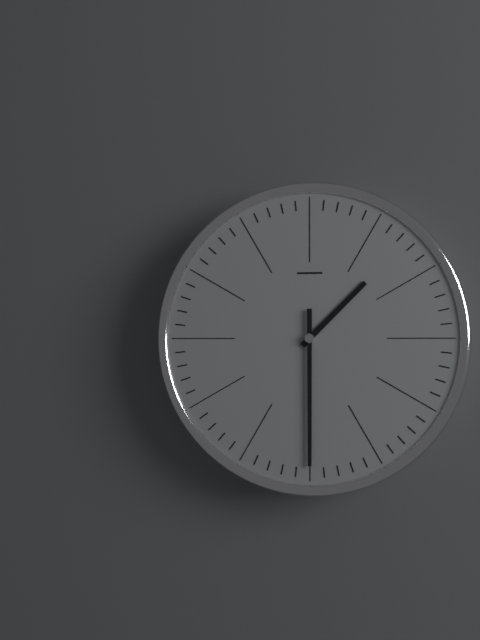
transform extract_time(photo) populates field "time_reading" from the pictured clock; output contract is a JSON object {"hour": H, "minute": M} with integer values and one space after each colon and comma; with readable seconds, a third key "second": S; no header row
{"hour": 1, "minute": 30}
